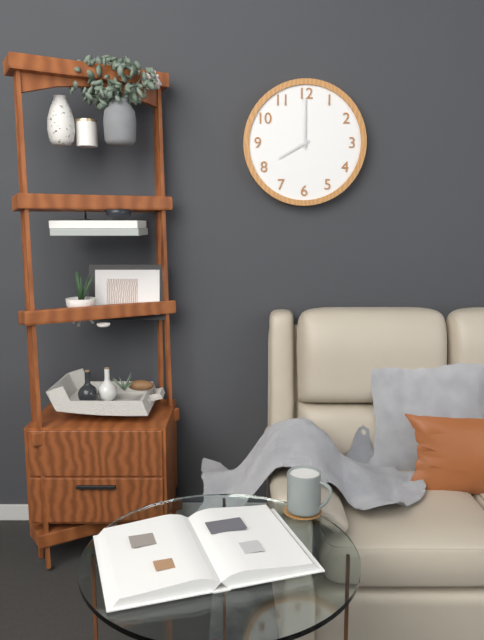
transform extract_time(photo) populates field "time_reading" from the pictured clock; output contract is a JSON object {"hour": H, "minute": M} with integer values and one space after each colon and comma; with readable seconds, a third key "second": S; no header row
{"hour": 8, "minute": 0}
